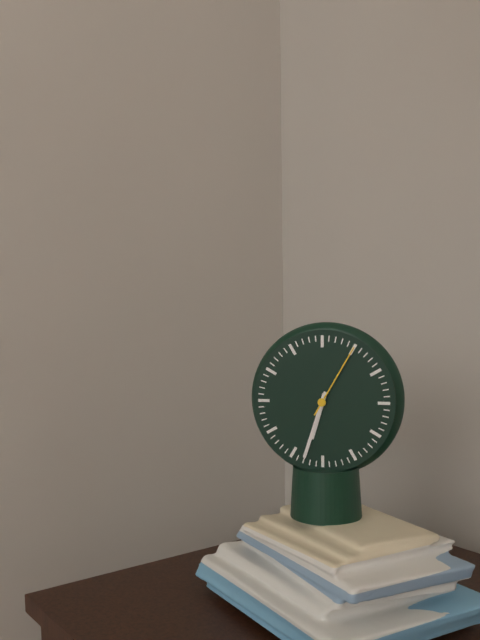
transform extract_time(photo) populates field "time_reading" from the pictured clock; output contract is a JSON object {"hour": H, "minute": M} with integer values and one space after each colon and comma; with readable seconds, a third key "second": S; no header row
{"hour": 6, "minute": 33, "second": 5}
